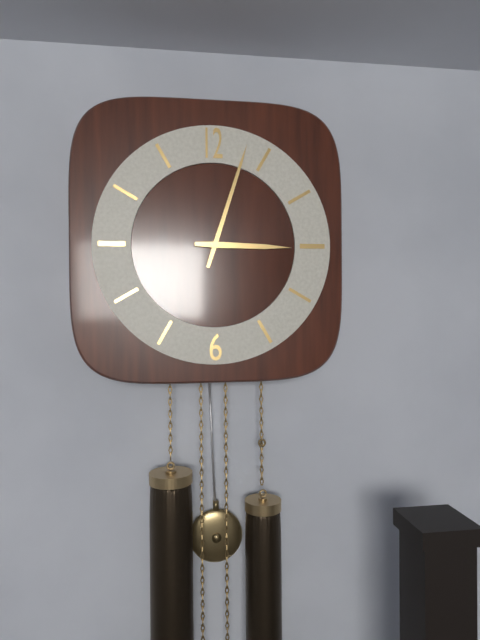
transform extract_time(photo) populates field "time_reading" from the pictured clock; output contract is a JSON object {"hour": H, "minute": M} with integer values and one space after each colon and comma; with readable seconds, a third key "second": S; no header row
{"hour": 3, "minute": 3}
